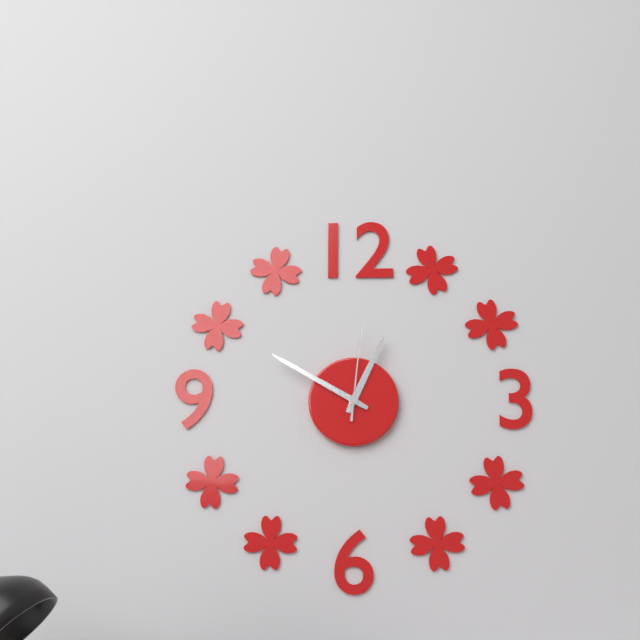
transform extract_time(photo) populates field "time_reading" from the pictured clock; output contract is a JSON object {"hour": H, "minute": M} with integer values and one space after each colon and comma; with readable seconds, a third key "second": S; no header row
{"hour": 12, "minute": 50, "second": 1}
